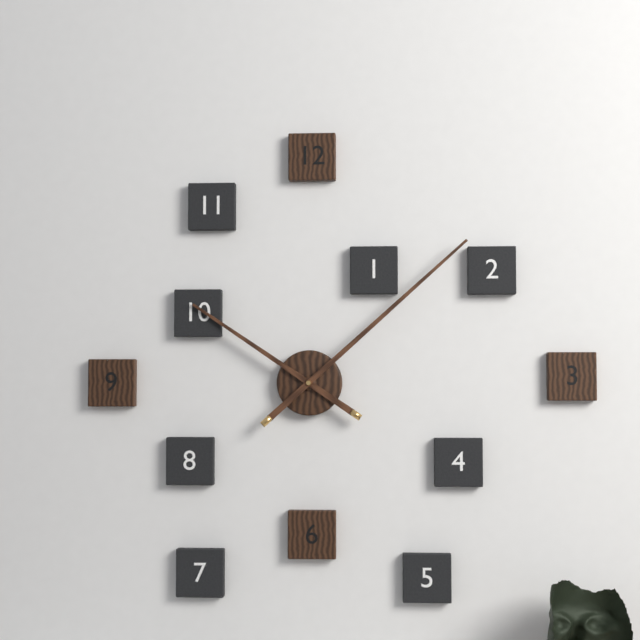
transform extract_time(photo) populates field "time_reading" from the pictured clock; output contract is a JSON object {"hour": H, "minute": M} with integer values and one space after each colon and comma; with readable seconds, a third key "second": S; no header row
{"hour": 10, "minute": 8}
